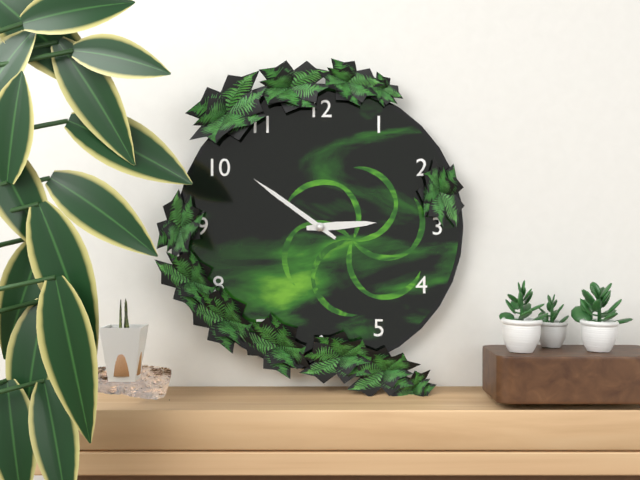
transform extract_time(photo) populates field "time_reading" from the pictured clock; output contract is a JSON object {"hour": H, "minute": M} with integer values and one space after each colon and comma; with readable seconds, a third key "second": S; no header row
{"hour": 2, "minute": 51}
